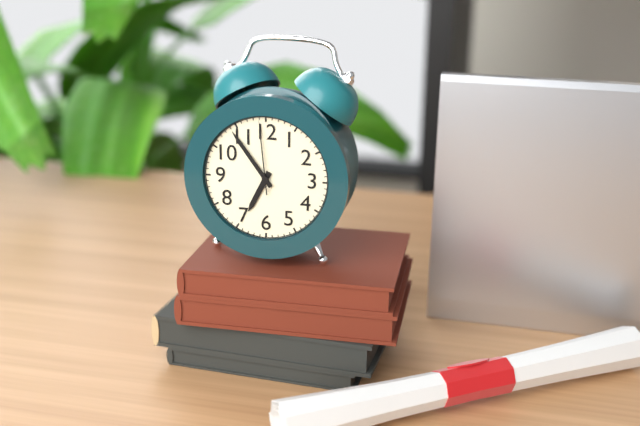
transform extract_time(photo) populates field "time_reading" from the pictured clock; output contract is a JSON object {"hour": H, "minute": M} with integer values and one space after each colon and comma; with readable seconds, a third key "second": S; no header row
{"hour": 6, "minute": 54, "second": 59}
